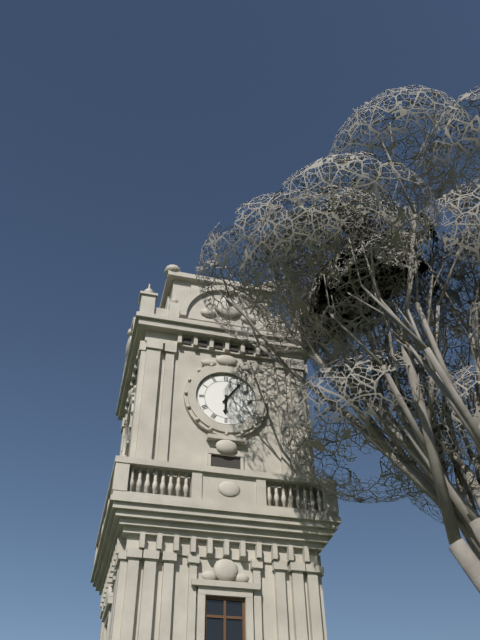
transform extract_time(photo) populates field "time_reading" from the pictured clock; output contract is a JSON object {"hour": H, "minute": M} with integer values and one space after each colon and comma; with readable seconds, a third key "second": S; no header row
{"hour": 6, "minute": 6}
